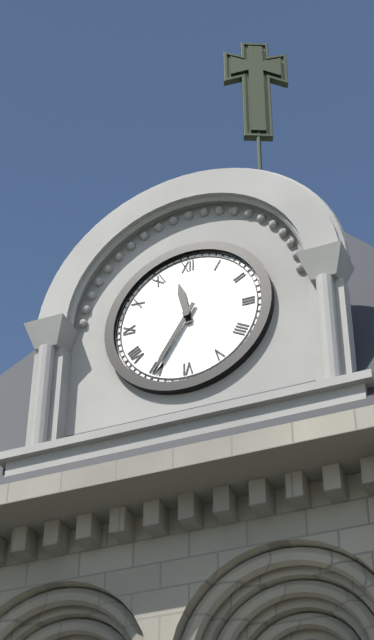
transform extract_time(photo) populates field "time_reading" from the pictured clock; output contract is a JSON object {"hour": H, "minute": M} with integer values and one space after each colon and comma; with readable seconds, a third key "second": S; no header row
{"hour": 11, "minute": 35}
